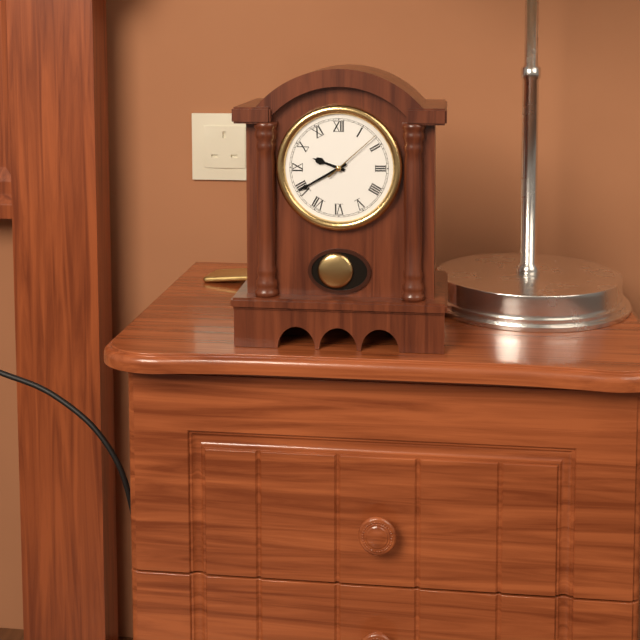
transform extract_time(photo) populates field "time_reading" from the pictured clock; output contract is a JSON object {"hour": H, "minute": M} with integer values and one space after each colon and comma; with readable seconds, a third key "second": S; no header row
{"hour": 9, "minute": 40, "second": 8}
